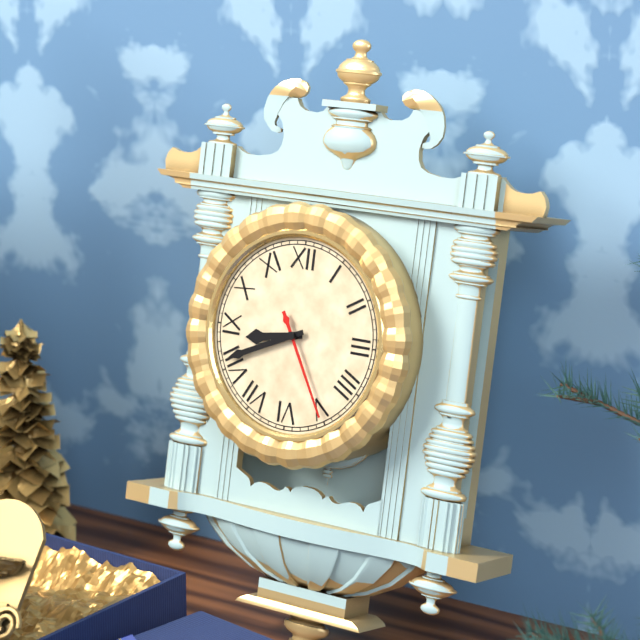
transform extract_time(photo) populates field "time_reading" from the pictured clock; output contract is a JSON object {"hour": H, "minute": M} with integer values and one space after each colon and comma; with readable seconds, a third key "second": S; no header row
{"hour": 8, "minute": 41, "second": 25}
